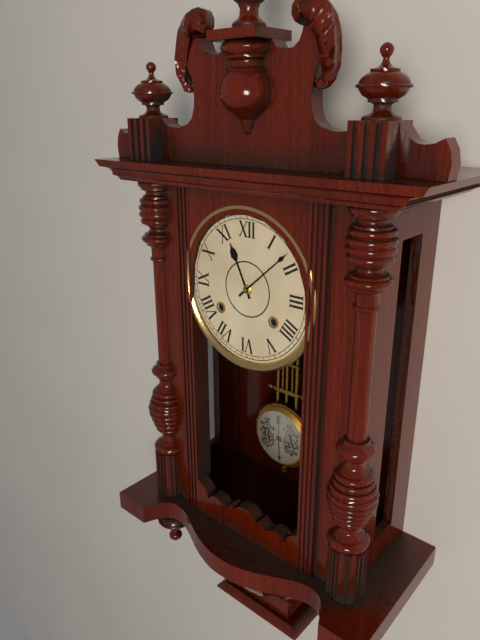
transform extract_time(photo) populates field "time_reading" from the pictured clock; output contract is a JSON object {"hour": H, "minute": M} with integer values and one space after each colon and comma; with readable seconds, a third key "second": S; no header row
{"hour": 11, "minute": 8}
